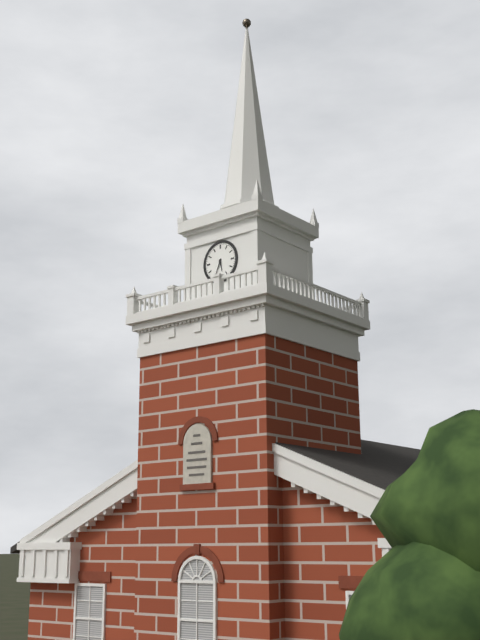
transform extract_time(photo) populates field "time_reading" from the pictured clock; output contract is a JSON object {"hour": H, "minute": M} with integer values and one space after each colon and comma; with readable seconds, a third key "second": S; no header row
{"hour": 5, "minute": 34}
